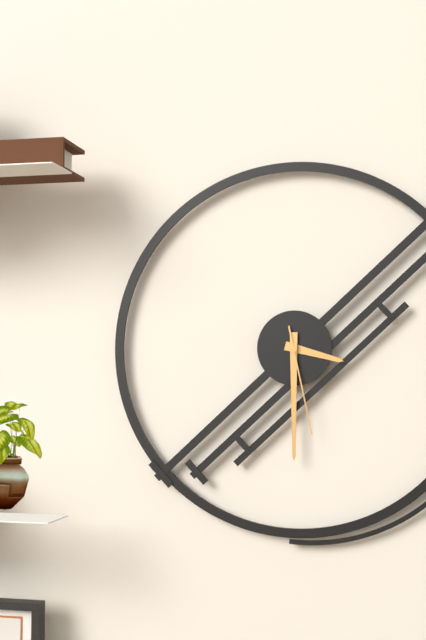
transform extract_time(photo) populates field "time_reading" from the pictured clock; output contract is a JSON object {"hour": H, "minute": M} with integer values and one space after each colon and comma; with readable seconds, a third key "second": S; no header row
{"hour": 3, "minute": 30, "second": 28}
